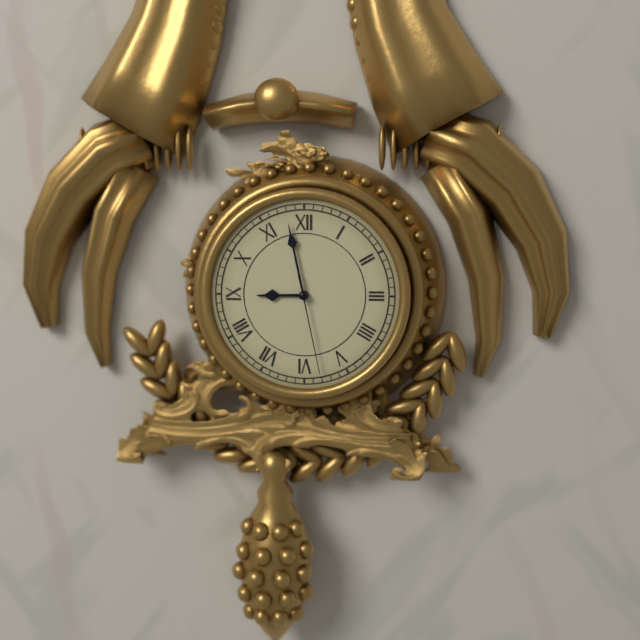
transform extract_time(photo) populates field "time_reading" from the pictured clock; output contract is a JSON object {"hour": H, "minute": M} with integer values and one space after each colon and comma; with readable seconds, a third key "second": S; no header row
{"hour": 8, "minute": 58, "second": 28}
